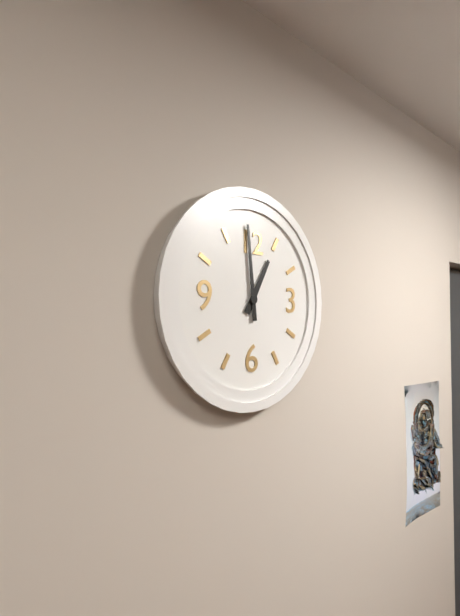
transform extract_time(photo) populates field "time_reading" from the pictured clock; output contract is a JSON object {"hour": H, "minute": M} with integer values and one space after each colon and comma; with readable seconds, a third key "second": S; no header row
{"hour": 12, "minute": 59}
